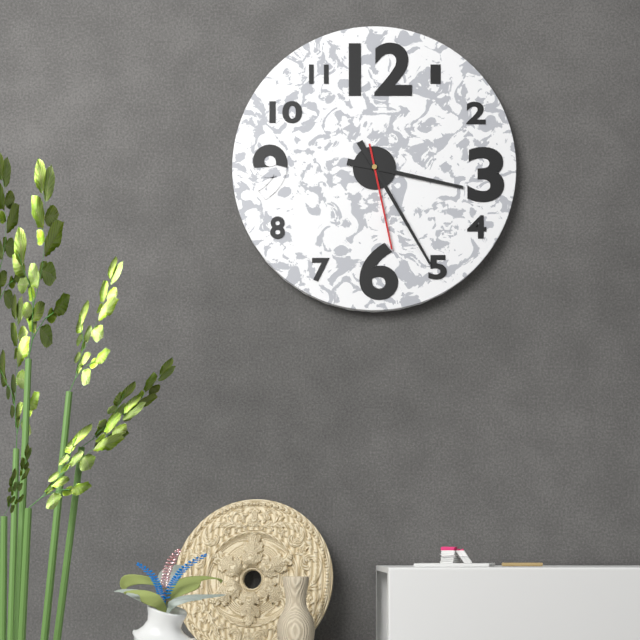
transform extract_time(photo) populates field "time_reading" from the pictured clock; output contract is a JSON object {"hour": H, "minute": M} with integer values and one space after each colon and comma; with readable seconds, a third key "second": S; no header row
{"hour": 3, "minute": 25, "second": 28}
